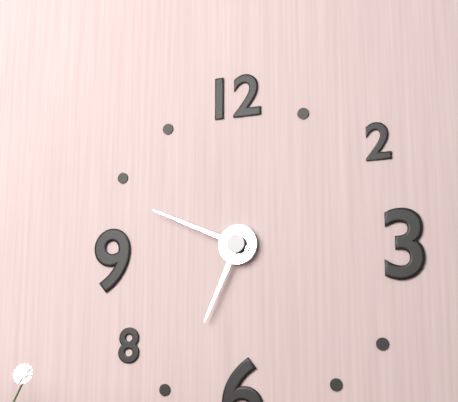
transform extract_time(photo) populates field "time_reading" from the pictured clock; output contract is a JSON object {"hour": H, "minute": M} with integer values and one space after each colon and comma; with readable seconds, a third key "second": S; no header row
{"hour": 6, "minute": 49}
